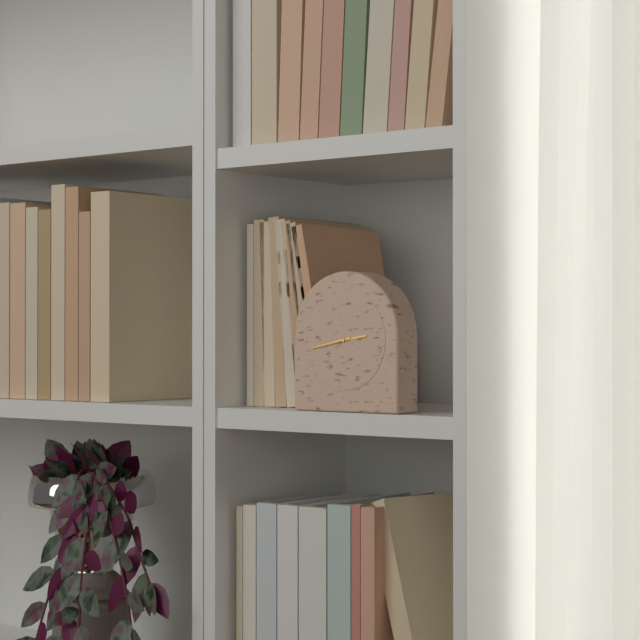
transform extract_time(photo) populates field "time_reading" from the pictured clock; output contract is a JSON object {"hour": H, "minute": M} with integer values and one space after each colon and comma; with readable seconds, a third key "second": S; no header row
{"hour": 2, "minute": 43}
